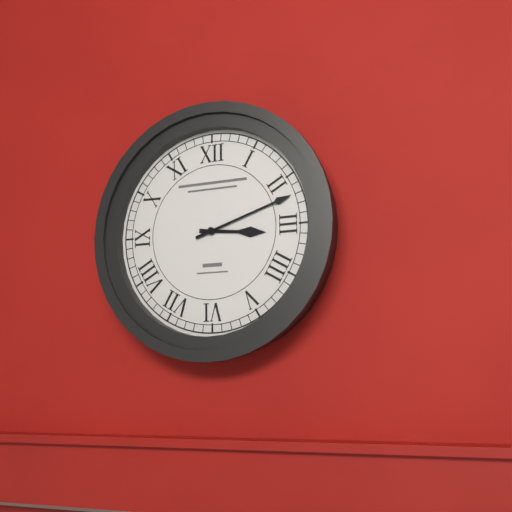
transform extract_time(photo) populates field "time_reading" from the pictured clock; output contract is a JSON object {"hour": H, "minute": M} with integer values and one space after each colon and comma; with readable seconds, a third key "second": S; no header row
{"hour": 3, "minute": 12}
